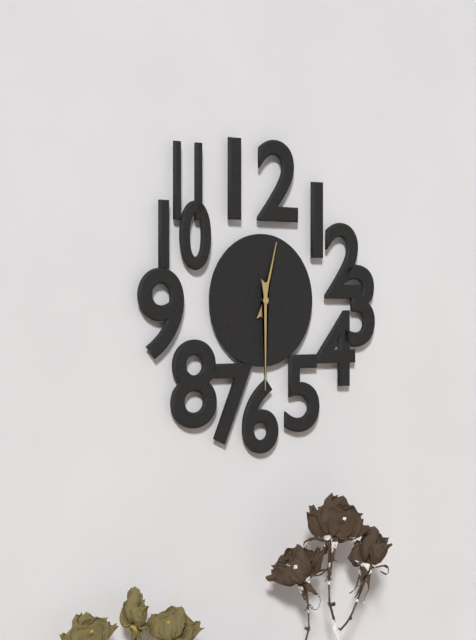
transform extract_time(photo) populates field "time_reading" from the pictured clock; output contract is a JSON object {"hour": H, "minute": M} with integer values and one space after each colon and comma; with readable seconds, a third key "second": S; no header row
{"hour": 12, "minute": 30}
